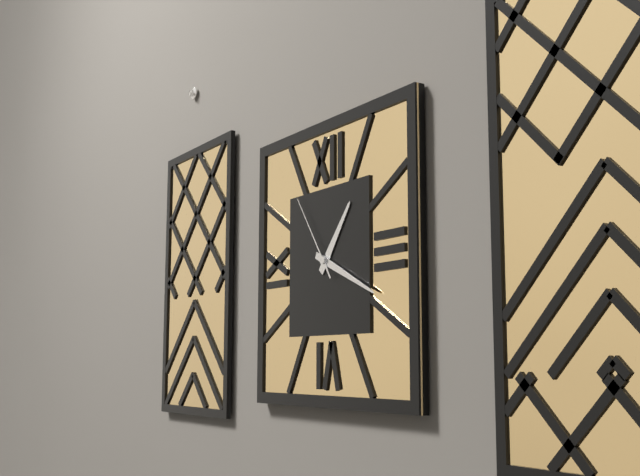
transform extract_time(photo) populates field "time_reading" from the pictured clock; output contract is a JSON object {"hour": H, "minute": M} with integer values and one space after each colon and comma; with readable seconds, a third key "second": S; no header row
{"hour": 1, "minute": 19, "second": 54}
